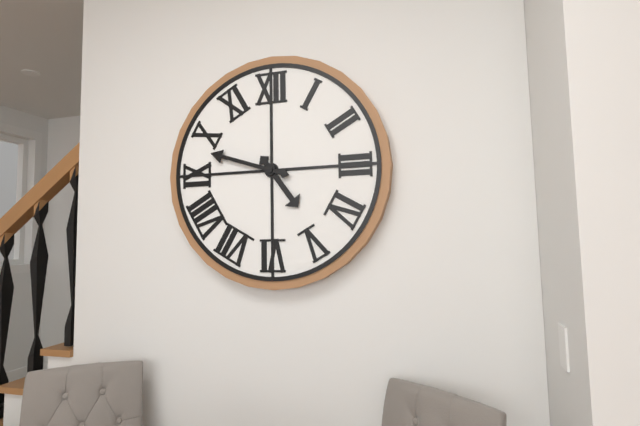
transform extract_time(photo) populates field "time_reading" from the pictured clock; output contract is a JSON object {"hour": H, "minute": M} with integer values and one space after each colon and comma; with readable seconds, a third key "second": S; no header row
{"hour": 4, "minute": 48}
